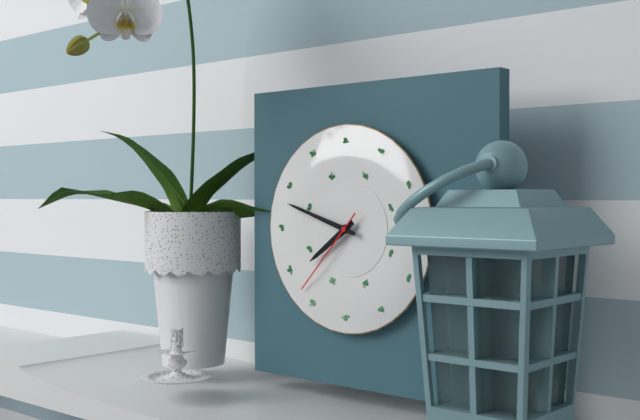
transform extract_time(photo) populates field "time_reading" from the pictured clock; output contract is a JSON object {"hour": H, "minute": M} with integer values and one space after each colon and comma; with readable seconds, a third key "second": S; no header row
{"hour": 7, "minute": 48, "second": 37}
